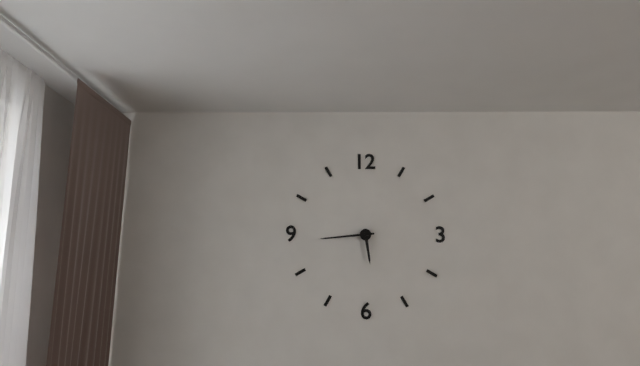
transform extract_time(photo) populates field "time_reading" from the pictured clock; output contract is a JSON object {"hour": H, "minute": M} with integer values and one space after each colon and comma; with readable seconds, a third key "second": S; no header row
{"hour": 5, "minute": 44}
